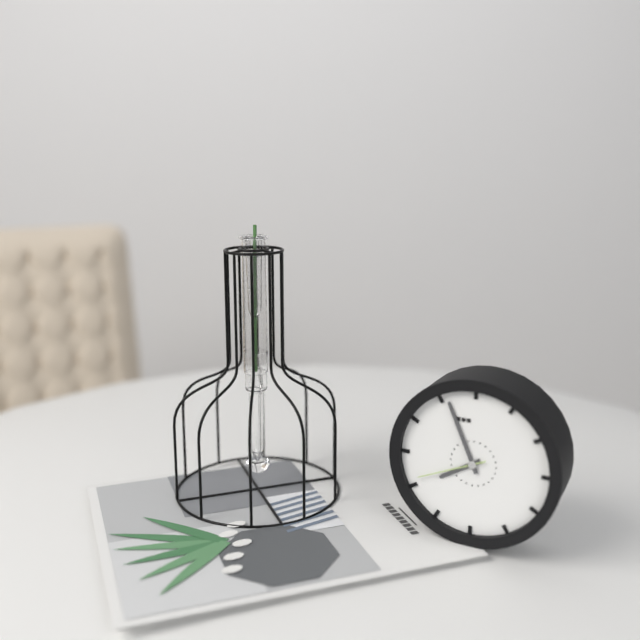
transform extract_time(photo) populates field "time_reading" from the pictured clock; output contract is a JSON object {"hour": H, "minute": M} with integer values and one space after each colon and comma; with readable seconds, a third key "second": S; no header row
{"hour": 7, "minute": 56, "second": 41}
